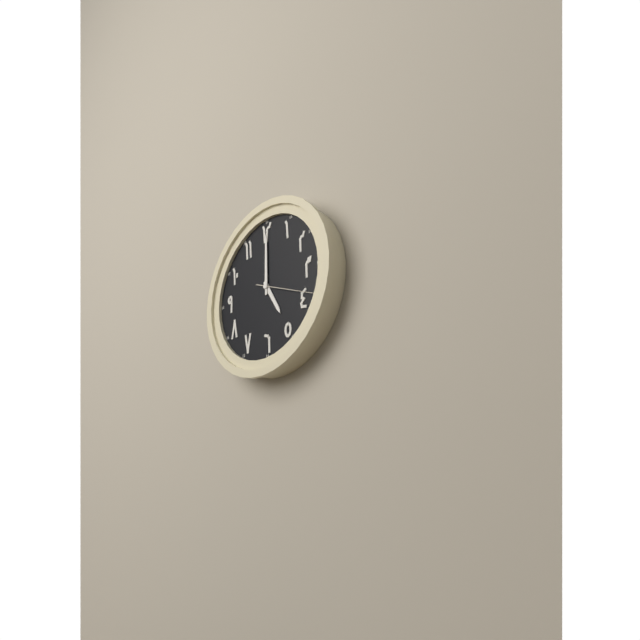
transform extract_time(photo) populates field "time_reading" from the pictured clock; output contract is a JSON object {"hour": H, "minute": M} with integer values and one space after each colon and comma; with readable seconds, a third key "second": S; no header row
{"hour": 5, "minute": 0, "second": 19}
